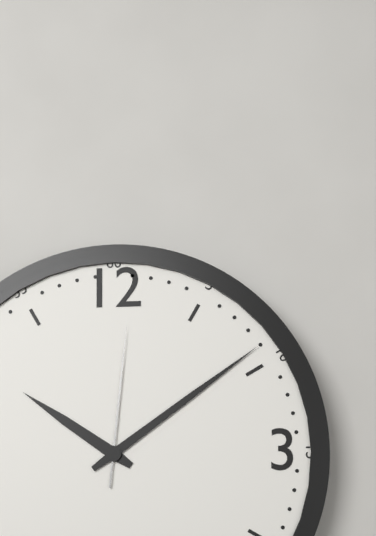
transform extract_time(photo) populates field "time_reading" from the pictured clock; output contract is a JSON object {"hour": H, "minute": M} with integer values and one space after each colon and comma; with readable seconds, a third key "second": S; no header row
{"hour": 10, "minute": 9, "second": 1}
